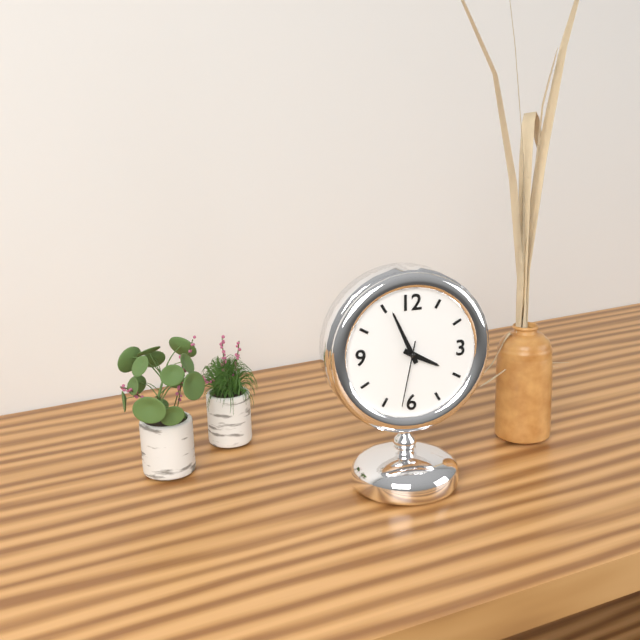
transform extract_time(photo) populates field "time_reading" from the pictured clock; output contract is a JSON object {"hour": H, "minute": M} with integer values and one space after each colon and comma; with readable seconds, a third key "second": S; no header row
{"hour": 3, "minute": 56, "second": 32}
